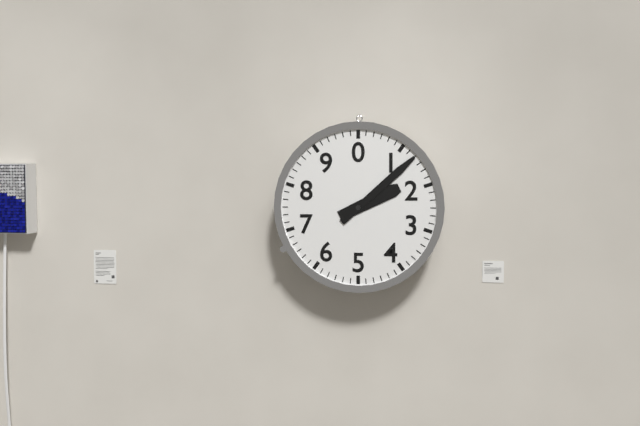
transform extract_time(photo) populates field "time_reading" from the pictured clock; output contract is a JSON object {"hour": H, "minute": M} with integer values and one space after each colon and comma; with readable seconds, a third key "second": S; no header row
{"hour": 2, "minute": 8}
